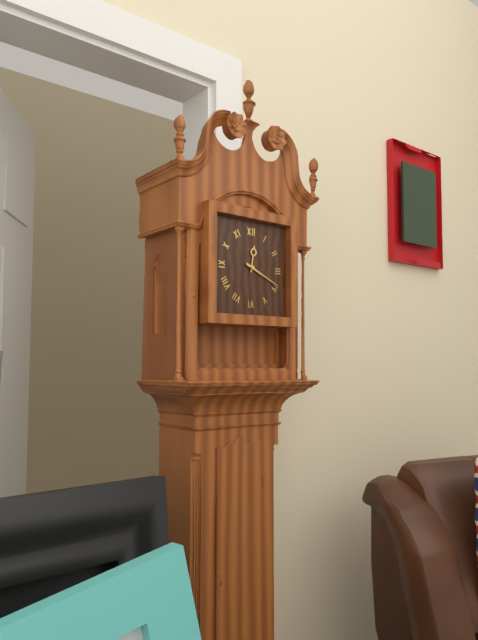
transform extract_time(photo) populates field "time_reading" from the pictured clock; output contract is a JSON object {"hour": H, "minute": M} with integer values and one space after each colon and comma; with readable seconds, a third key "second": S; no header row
{"hour": 12, "minute": 19}
